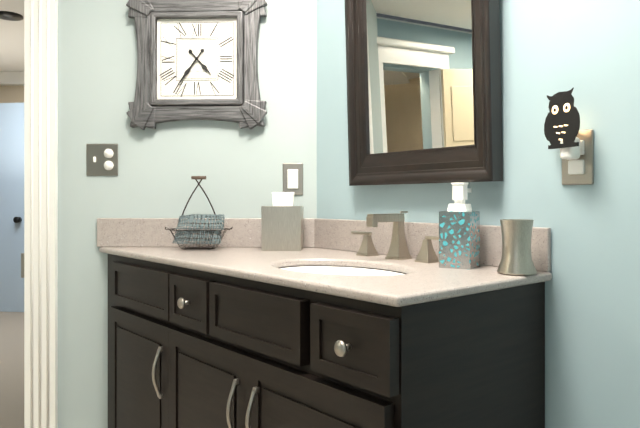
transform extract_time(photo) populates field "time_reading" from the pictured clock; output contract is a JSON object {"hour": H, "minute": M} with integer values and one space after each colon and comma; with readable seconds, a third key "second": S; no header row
{"hour": 4, "minute": 36}
